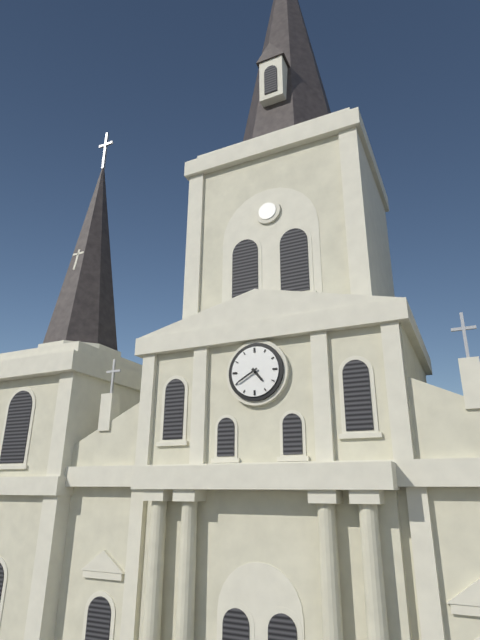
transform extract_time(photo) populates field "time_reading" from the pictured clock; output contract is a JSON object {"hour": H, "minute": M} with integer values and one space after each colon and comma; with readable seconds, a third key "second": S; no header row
{"hour": 4, "minute": 40}
